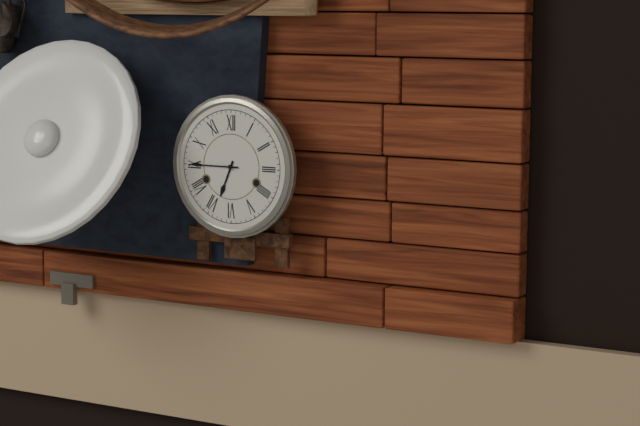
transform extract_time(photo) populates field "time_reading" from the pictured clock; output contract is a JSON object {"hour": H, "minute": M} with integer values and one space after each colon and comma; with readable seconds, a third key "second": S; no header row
{"hour": 6, "minute": 45}
